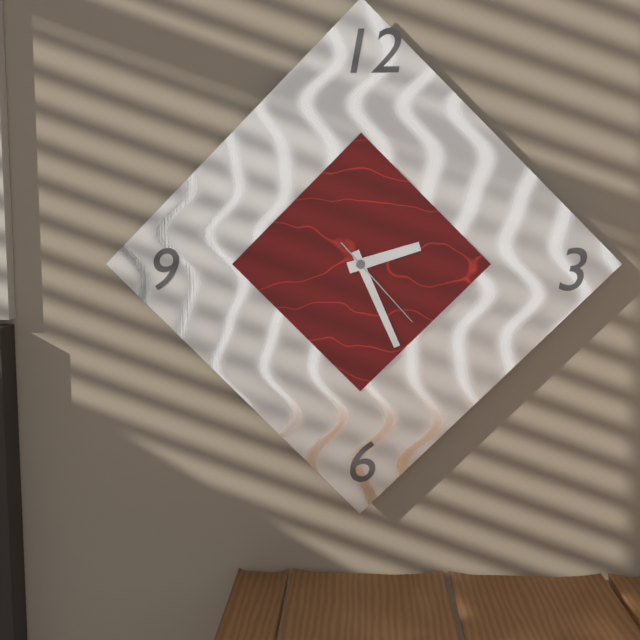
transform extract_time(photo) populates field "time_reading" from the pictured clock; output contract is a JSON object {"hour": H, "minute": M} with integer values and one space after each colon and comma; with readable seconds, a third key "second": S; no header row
{"hour": 2, "minute": 26, "second": 23}
